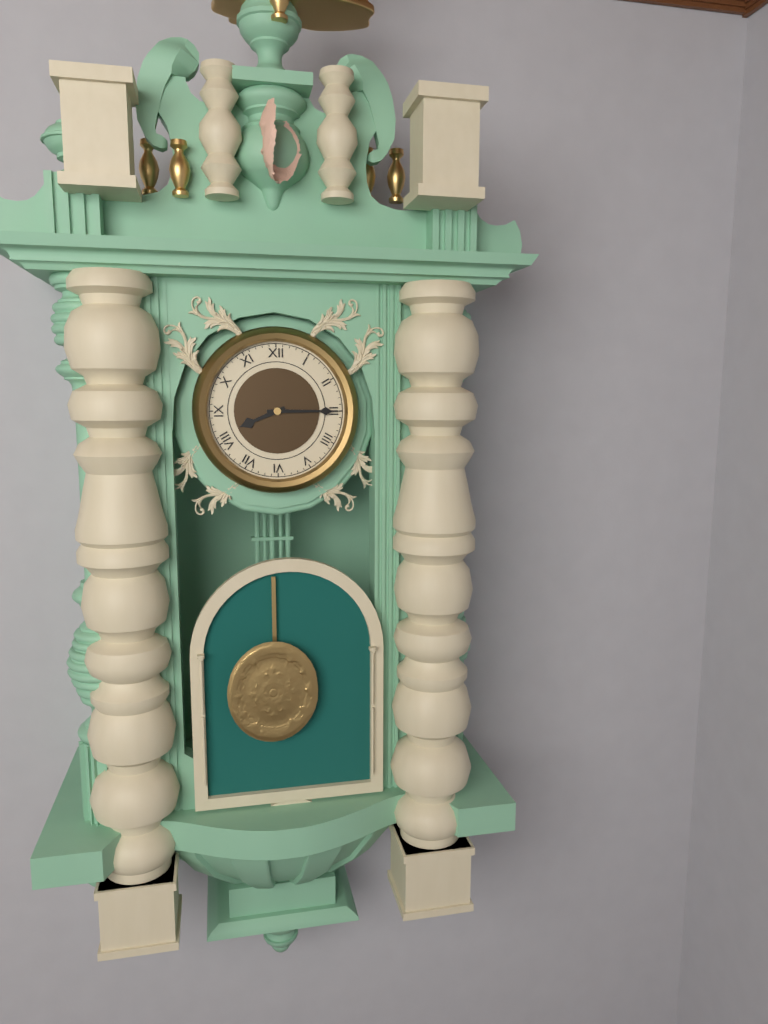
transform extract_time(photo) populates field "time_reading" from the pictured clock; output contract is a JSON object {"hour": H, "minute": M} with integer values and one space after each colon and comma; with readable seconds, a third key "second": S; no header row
{"hour": 8, "minute": 15}
